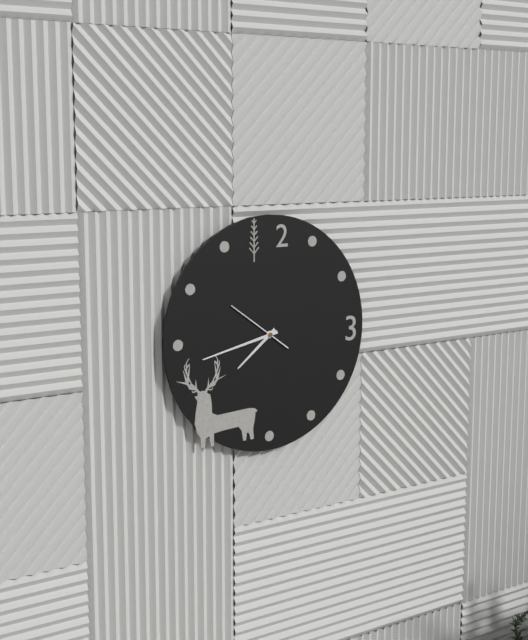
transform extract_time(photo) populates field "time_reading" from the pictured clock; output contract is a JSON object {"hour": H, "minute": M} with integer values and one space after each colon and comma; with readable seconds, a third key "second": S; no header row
{"hour": 7, "minute": 43, "second": 51}
